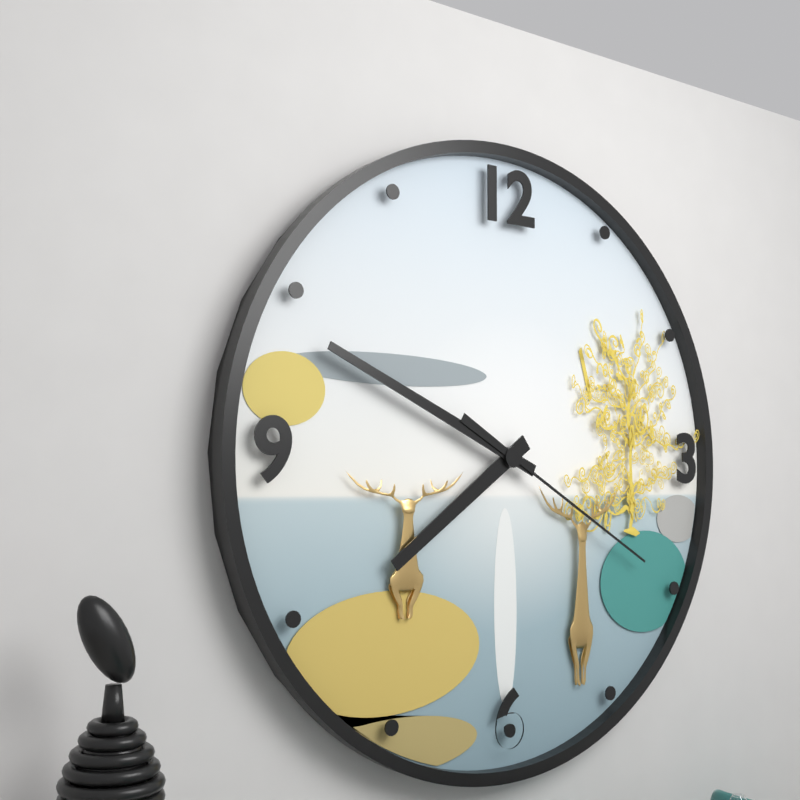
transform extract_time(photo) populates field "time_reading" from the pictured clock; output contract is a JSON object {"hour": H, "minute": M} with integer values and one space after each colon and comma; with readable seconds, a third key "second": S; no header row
{"hour": 7, "minute": 49, "second": 20}
